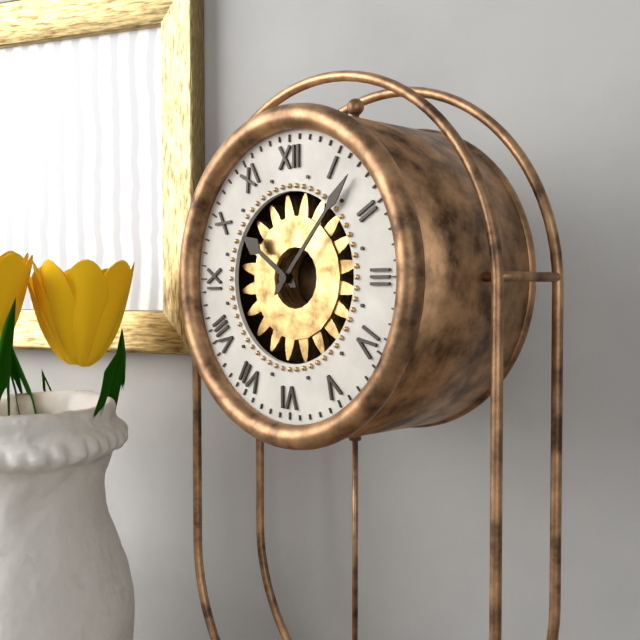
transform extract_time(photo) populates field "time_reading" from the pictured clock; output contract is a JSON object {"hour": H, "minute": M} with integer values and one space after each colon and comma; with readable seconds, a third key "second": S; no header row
{"hour": 10, "minute": 7}
